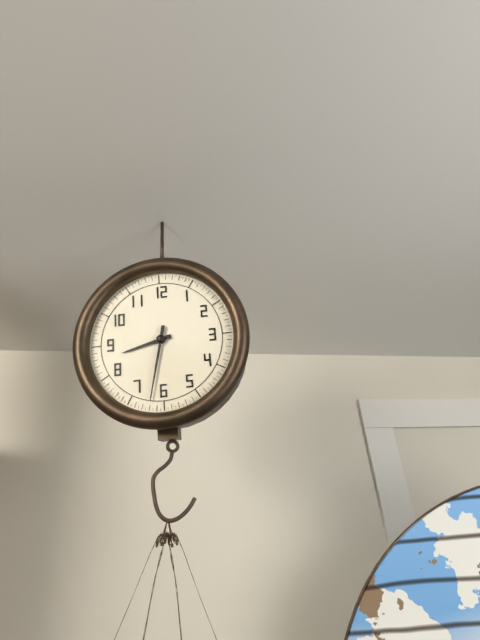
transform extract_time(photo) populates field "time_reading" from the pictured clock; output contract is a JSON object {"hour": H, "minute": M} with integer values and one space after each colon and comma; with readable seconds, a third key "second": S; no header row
{"hour": 8, "minute": 32}
